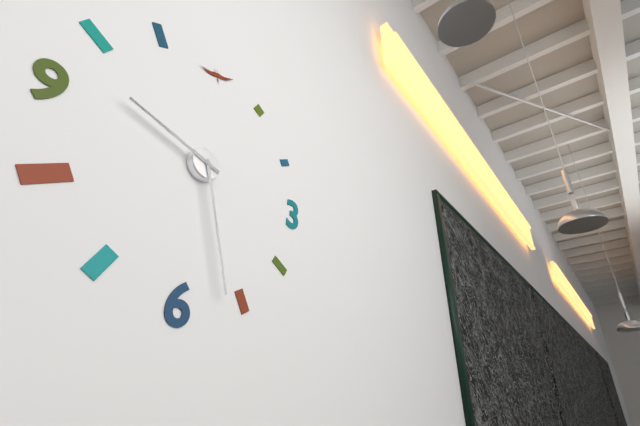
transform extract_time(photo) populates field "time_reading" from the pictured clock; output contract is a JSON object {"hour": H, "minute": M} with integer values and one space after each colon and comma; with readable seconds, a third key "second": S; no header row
{"hour": 9, "minute": 27}
